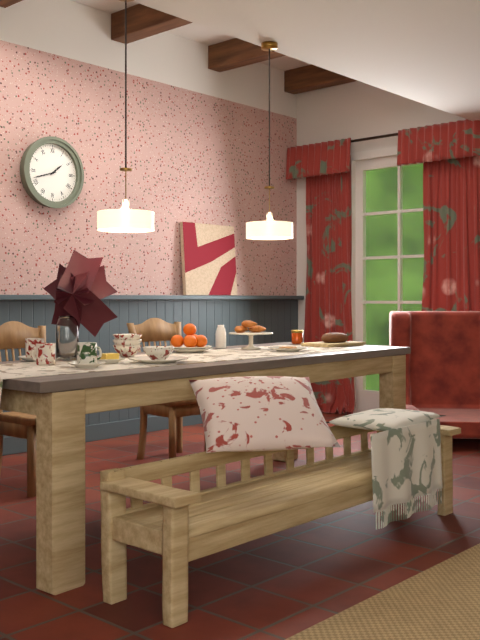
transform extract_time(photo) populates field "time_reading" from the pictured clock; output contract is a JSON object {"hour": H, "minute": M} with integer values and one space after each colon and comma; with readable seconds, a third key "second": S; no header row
{"hour": 1, "minute": 42}
